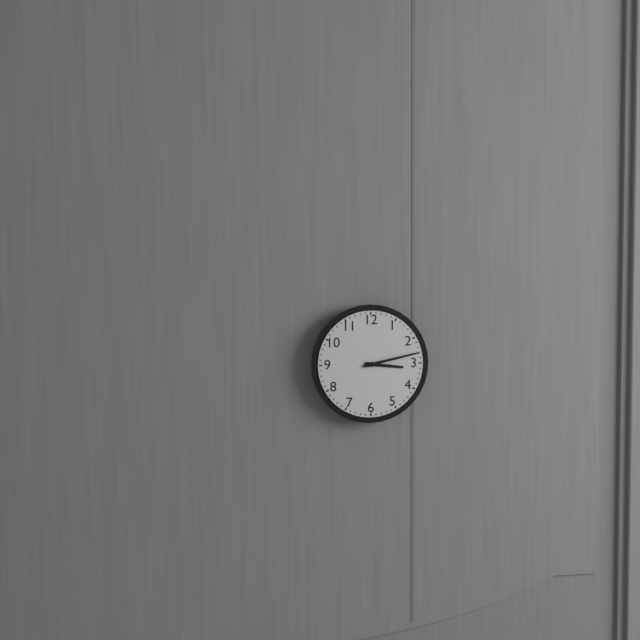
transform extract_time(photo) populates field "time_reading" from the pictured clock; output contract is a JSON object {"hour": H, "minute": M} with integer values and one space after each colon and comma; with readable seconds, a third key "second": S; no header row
{"hour": 3, "minute": 13}
